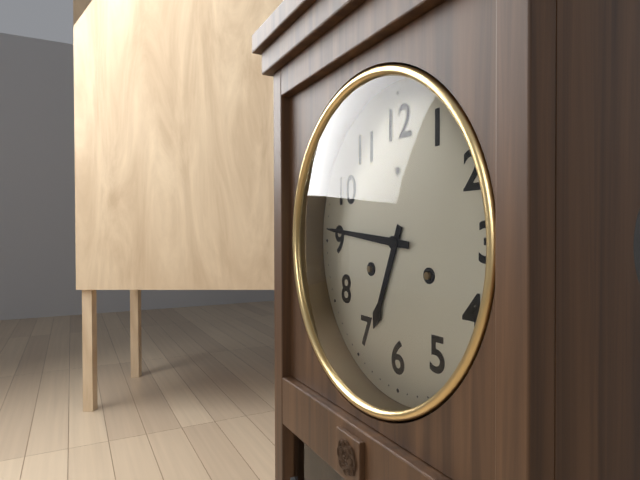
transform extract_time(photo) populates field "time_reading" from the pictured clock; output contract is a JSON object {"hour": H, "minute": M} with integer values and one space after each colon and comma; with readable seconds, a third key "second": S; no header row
{"hour": 6, "minute": 46}
